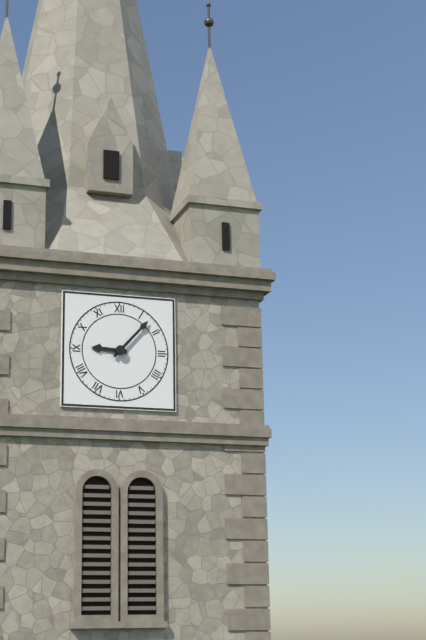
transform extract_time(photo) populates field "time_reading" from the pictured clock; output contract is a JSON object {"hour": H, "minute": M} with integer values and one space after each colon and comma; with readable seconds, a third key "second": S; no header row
{"hour": 9, "minute": 7}
